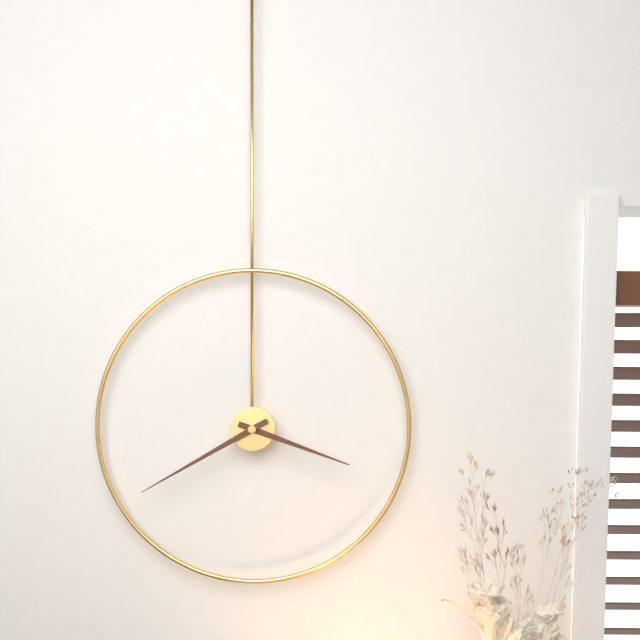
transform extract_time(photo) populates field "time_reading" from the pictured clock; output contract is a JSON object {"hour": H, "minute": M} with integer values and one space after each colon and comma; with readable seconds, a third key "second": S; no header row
{"hour": 3, "minute": 40}
